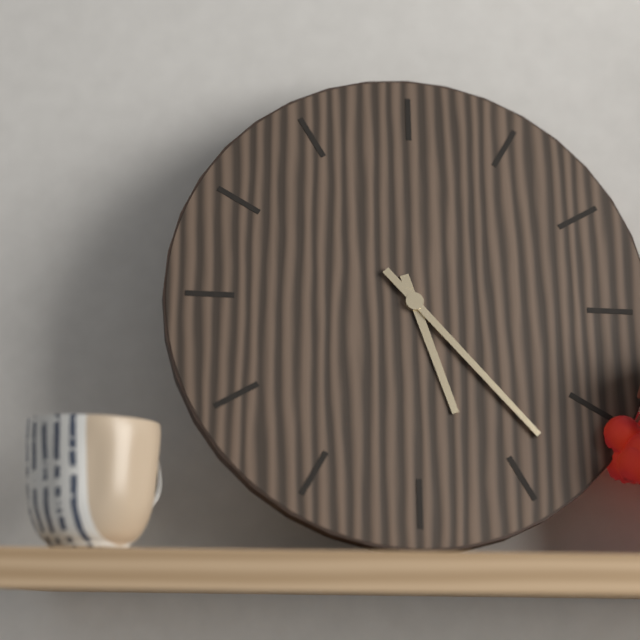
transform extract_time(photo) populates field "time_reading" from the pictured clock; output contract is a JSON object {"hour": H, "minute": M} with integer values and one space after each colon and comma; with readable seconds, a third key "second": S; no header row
{"hour": 5, "minute": 23}
